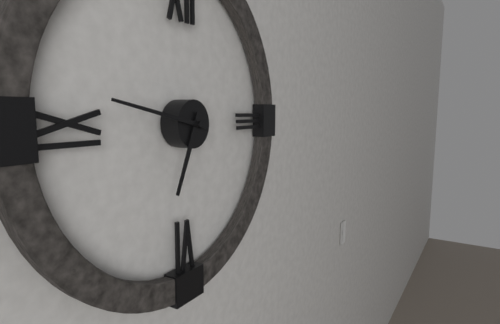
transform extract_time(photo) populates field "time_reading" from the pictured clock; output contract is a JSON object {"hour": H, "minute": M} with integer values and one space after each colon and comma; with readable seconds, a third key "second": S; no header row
{"hour": 6, "minute": 47}
